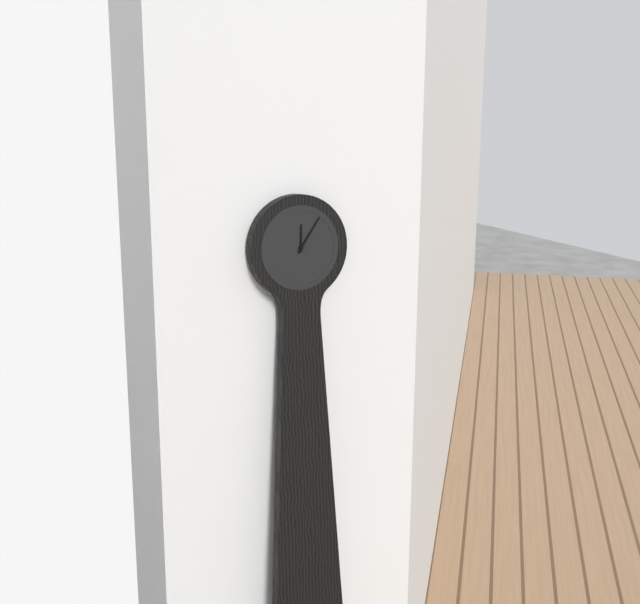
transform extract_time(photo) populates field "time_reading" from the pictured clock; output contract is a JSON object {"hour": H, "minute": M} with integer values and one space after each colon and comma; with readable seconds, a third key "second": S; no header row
{"hour": 12, "minute": 6}
